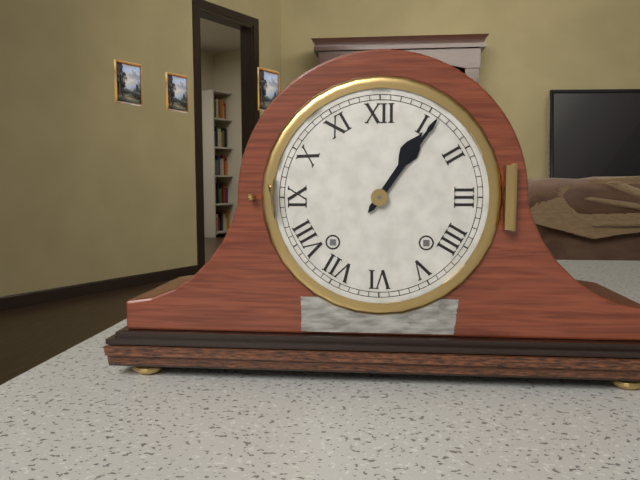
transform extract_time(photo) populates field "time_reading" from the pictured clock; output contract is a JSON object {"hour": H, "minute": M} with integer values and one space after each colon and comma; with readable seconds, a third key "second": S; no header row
{"hour": 1, "minute": 6}
